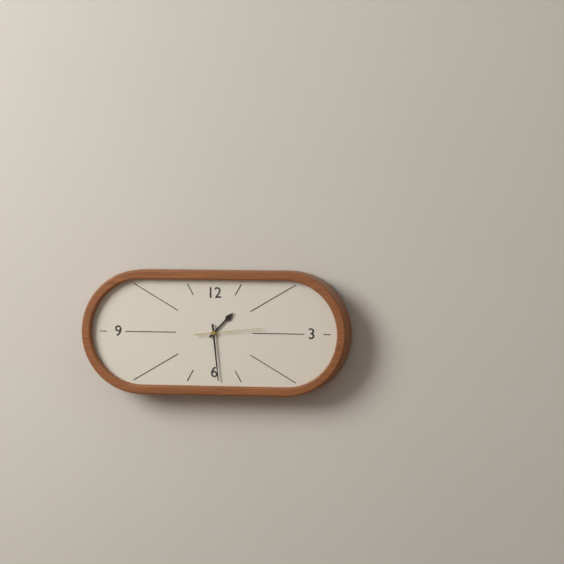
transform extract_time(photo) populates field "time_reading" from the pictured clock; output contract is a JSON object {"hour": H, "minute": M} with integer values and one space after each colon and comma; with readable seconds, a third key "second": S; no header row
{"hour": 1, "minute": 29, "second": 14}
